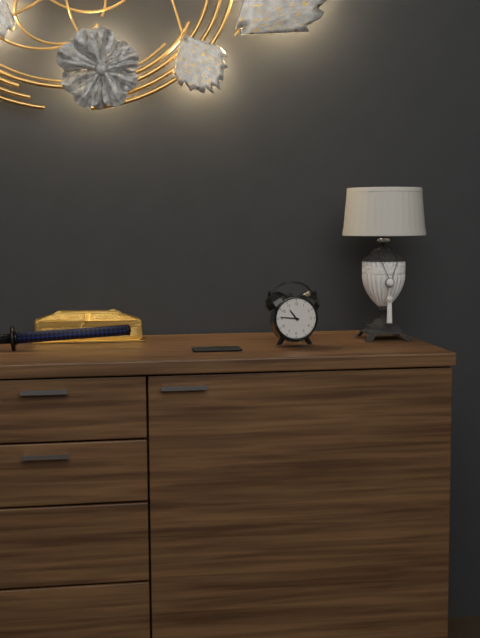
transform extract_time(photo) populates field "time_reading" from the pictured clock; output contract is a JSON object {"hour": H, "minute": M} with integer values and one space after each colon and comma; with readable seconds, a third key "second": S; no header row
{"hour": 10, "minute": 46}
